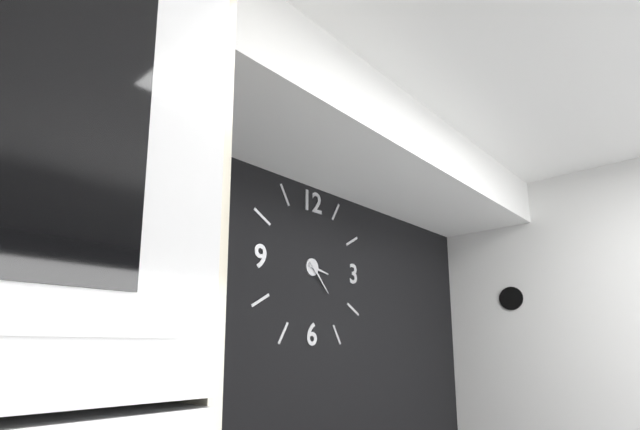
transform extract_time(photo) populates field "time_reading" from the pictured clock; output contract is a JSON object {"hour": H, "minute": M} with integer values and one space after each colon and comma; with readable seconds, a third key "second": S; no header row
{"hour": 3, "minute": 23}
